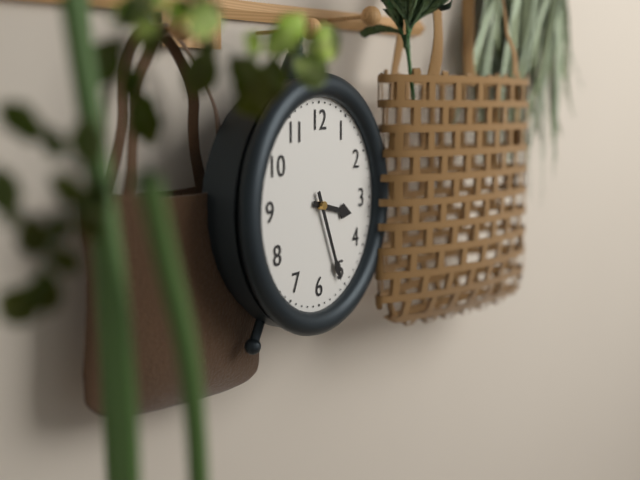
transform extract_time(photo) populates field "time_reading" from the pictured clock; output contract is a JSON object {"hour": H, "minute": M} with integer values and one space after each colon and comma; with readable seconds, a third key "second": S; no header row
{"hour": 3, "minute": 26}
